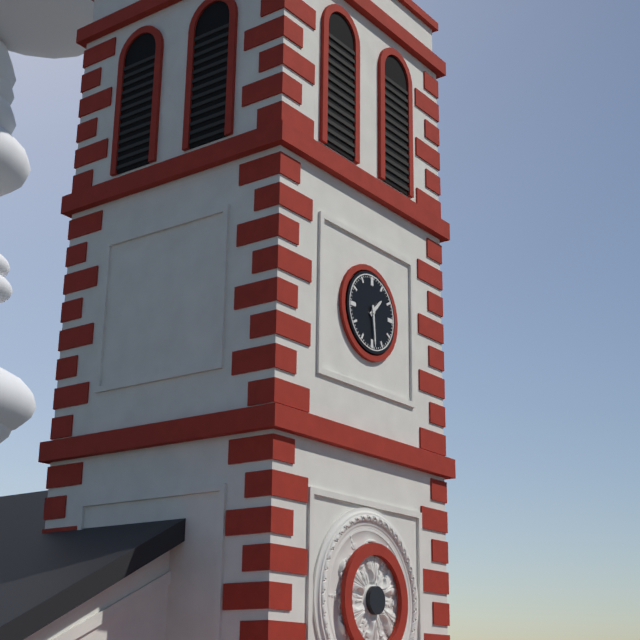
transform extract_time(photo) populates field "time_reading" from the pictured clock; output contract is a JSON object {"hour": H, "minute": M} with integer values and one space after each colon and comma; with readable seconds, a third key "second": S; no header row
{"hour": 1, "minute": 29}
